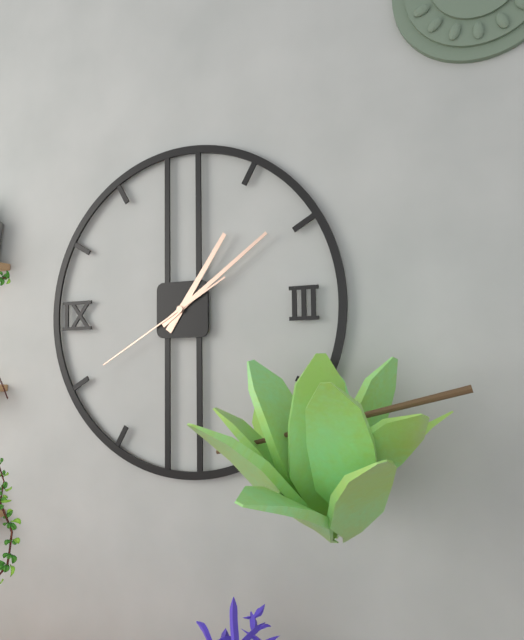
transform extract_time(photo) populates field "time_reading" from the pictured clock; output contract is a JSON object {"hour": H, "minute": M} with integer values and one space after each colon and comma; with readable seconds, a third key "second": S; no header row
{"hour": 1, "minute": 9, "second": 40}
